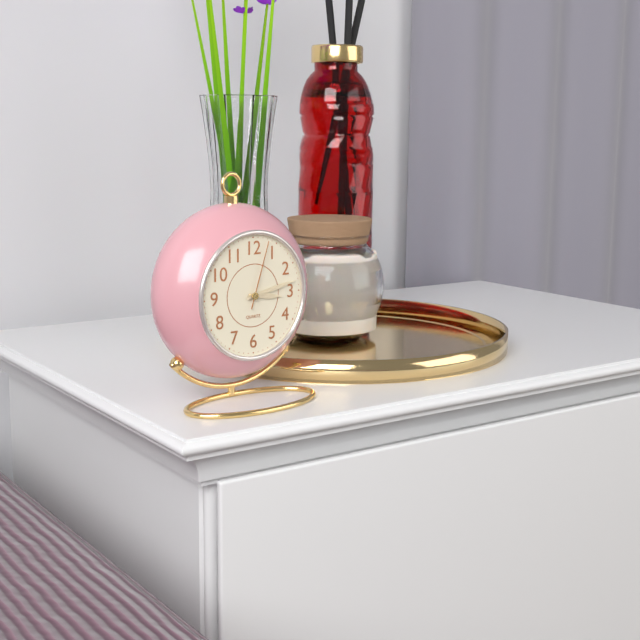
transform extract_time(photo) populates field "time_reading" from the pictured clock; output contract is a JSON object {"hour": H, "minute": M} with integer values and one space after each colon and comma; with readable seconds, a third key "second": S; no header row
{"hour": 3, "minute": 13, "second": 3}
